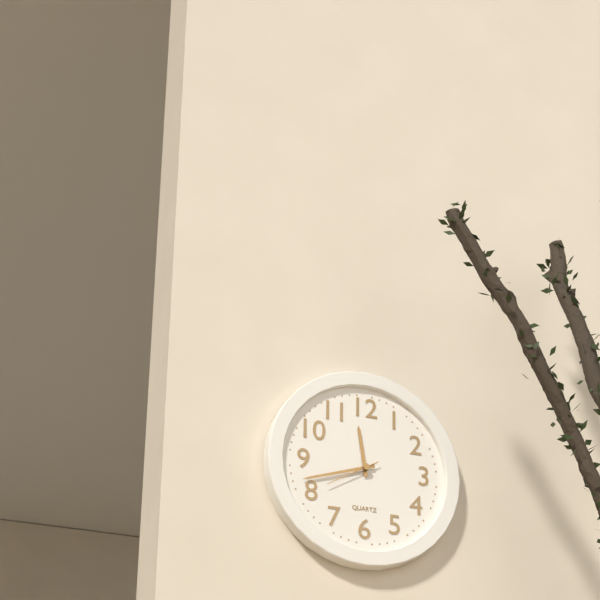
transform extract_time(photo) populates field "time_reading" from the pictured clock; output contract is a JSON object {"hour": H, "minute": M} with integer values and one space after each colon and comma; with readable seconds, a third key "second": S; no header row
{"hour": 11, "minute": 42, "second": 40}
